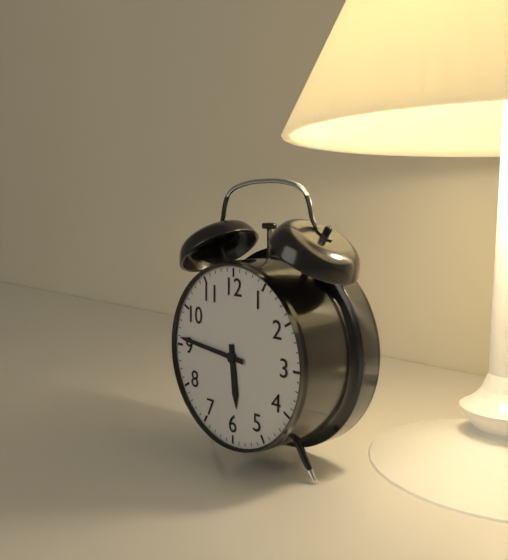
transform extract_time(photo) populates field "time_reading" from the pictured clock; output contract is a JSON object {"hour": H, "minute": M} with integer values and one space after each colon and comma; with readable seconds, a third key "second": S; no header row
{"hour": 5, "minute": 46}
